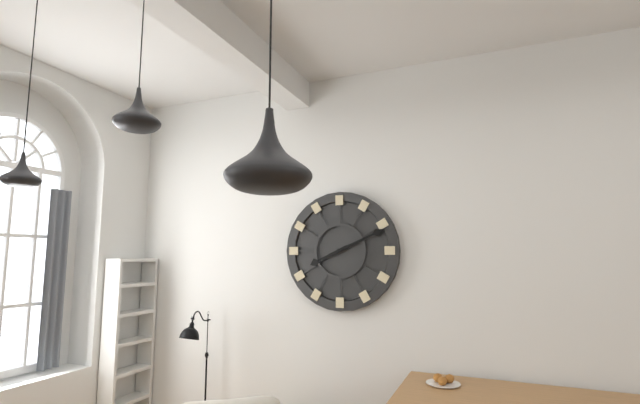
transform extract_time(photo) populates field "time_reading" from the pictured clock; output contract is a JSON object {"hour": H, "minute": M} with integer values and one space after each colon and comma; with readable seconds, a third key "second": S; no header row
{"hour": 8, "minute": 11}
